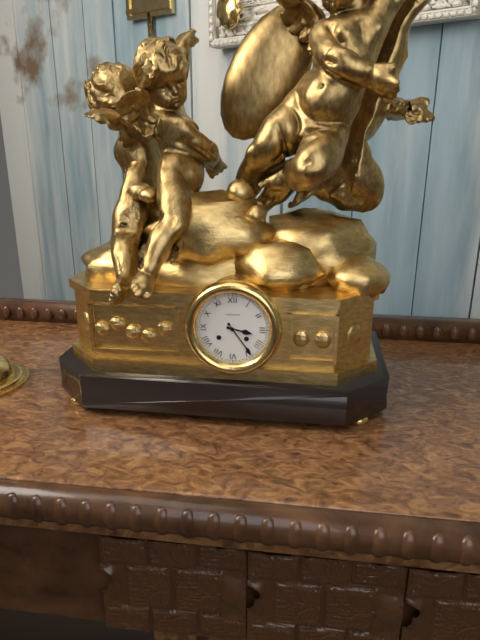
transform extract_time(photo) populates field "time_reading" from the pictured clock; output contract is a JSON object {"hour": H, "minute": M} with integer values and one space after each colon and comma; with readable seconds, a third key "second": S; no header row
{"hour": 3, "minute": 24}
